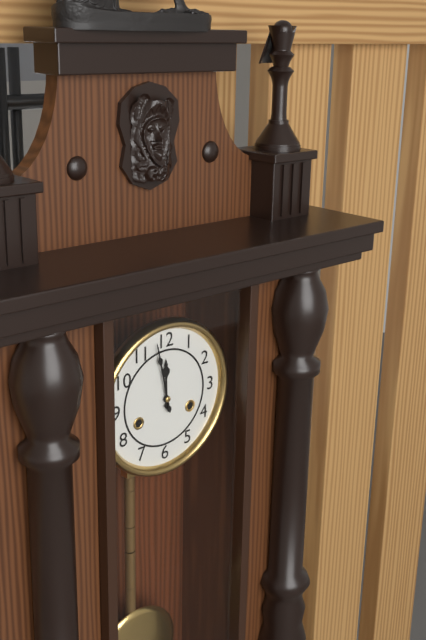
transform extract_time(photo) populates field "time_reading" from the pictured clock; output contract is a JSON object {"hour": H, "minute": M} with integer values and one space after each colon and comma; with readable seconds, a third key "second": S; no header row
{"hour": 11, "minute": 58}
